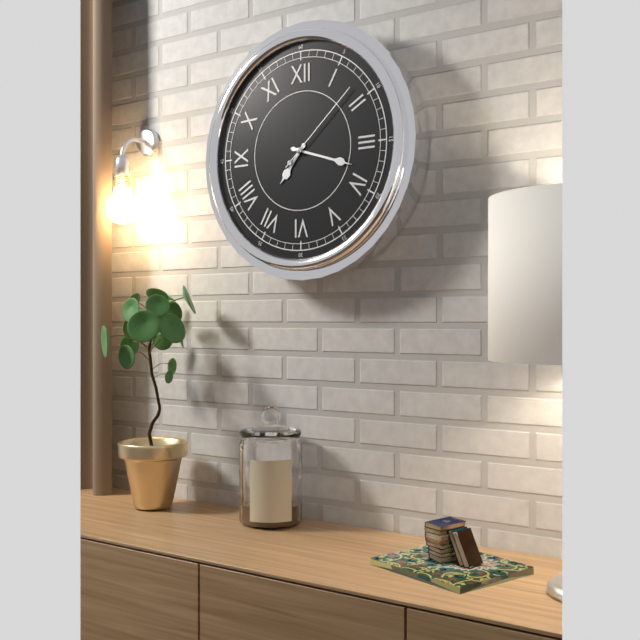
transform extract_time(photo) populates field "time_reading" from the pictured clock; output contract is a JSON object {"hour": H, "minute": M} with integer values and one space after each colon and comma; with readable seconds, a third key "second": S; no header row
{"hour": 7, "minute": 18, "second": 8}
